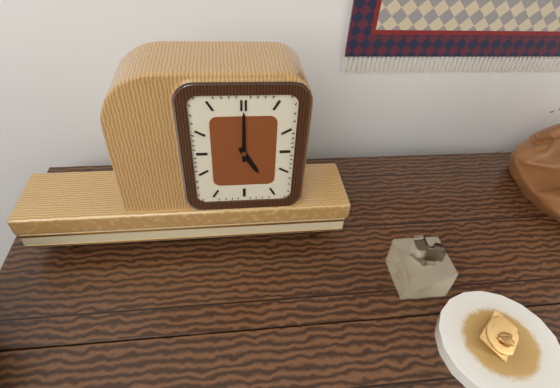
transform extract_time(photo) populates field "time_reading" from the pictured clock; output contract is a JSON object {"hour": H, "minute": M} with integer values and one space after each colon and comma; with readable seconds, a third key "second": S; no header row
{"hour": 5, "minute": 0}
